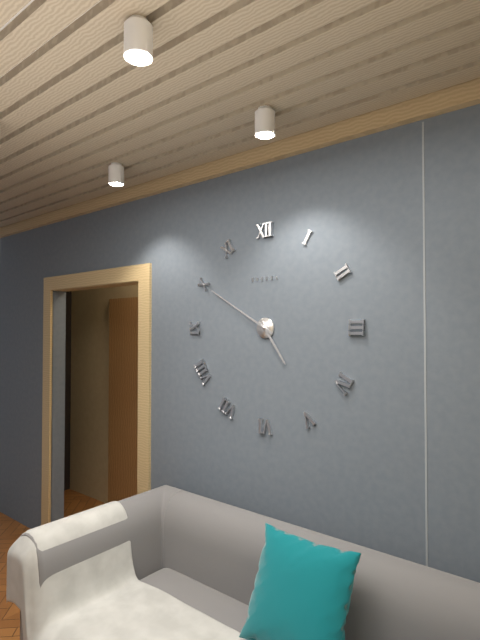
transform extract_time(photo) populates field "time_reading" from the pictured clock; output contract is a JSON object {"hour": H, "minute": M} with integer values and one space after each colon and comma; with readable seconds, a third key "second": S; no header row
{"hour": 4, "minute": 50}
